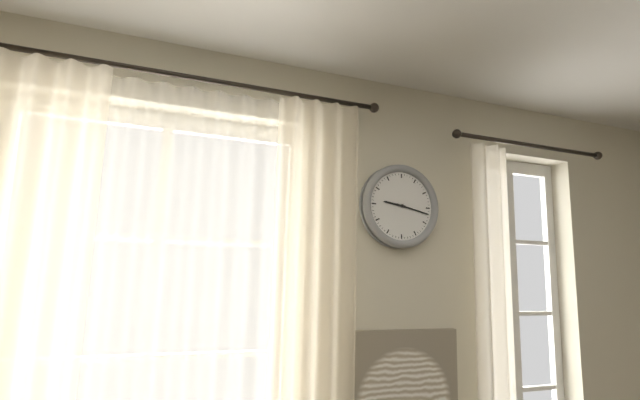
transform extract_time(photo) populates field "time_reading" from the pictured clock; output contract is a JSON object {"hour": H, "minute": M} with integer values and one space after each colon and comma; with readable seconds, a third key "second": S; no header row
{"hour": 9, "minute": 17}
